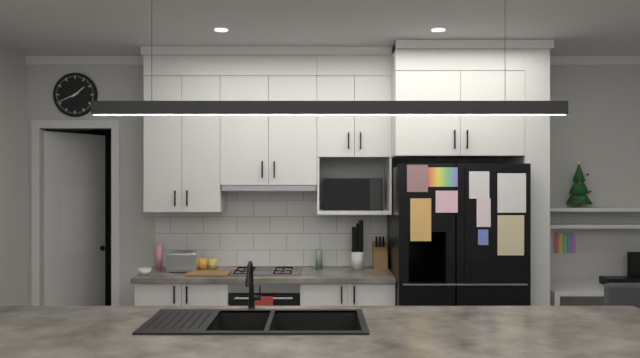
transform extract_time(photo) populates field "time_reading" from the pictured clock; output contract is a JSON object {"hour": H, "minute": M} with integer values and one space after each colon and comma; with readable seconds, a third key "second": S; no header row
{"hour": 1, "minute": 41}
